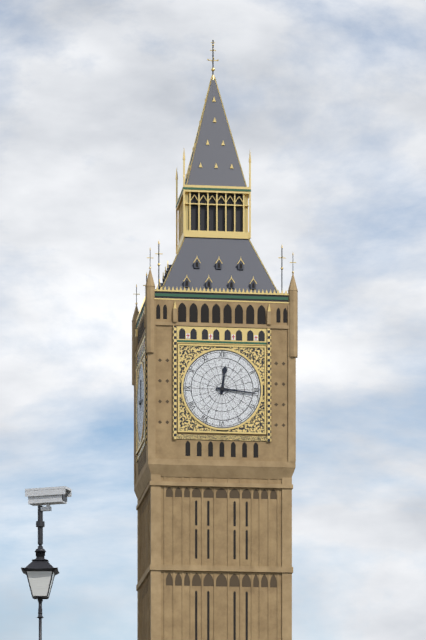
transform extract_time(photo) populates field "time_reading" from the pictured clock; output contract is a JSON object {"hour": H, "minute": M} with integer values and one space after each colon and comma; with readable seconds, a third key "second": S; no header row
{"hour": 12, "minute": 16}
